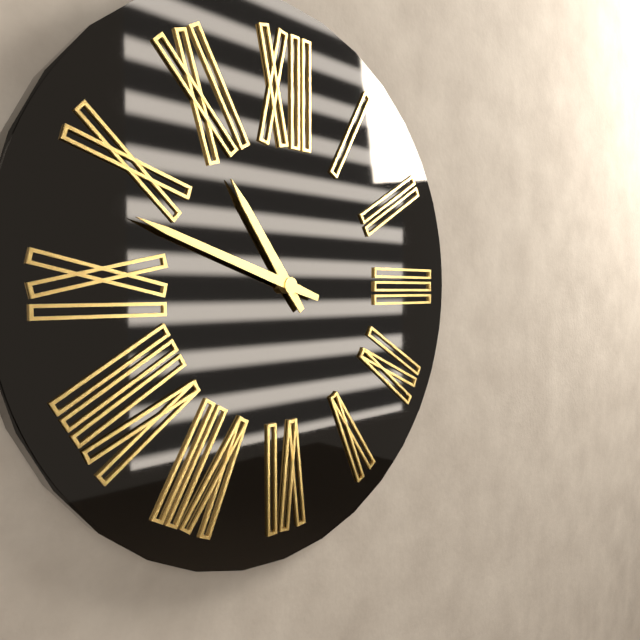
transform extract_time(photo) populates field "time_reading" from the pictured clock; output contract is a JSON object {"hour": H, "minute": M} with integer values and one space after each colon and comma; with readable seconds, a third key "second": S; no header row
{"hour": 10, "minute": 48}
